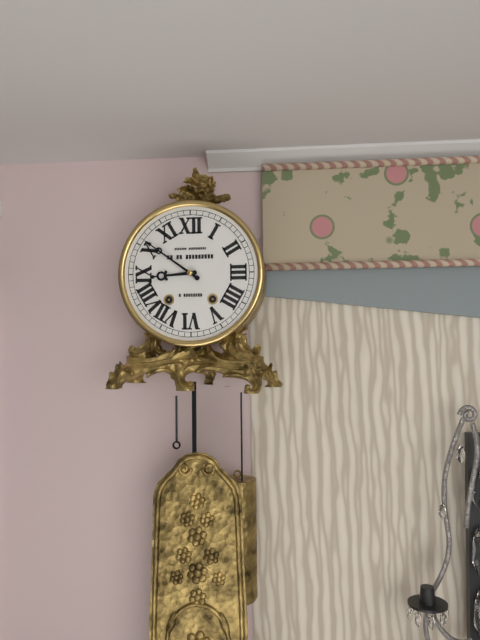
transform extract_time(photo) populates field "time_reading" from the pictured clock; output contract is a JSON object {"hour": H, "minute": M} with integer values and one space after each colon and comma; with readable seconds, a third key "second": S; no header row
{"hour": 8, "minute": 51}
